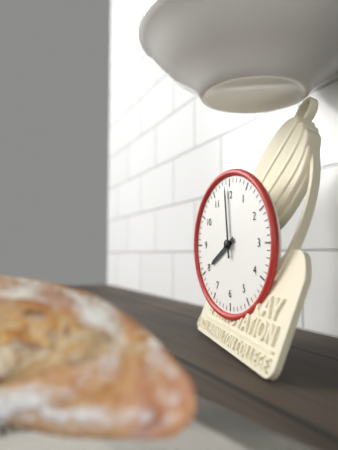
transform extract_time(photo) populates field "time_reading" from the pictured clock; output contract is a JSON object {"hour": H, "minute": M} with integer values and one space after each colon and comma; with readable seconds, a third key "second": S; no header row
{"hour": 7, "minute": 59}
